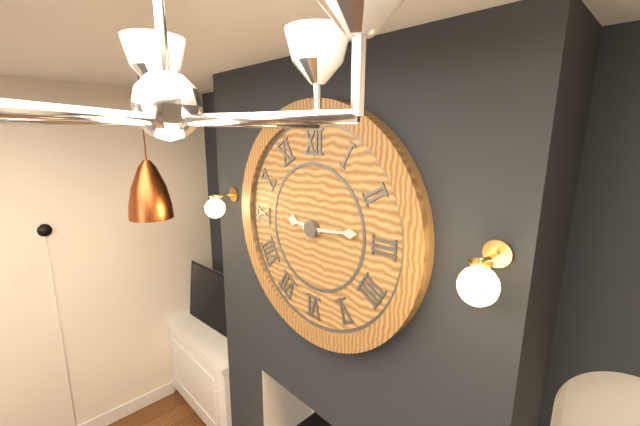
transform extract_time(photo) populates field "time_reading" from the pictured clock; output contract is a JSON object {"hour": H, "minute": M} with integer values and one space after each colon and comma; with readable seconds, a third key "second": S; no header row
{"hour": 9, "minute": 14}
